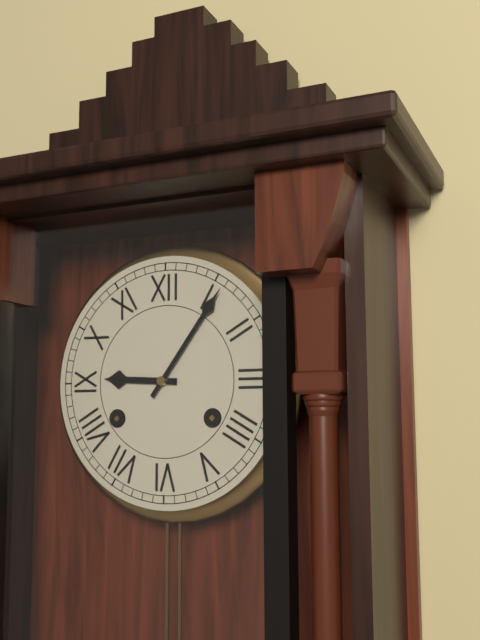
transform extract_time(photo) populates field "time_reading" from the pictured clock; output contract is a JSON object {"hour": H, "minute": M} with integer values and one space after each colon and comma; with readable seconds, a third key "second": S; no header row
{"hour": 9, "minute": 6}
